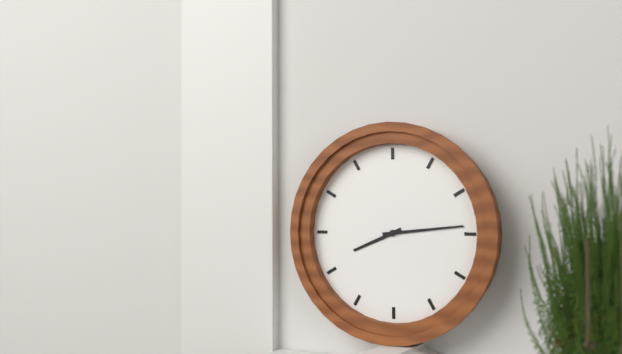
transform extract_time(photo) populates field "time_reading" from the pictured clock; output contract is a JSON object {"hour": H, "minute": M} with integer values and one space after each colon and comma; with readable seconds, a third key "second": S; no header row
{"hour": 8, "minute": 14}
